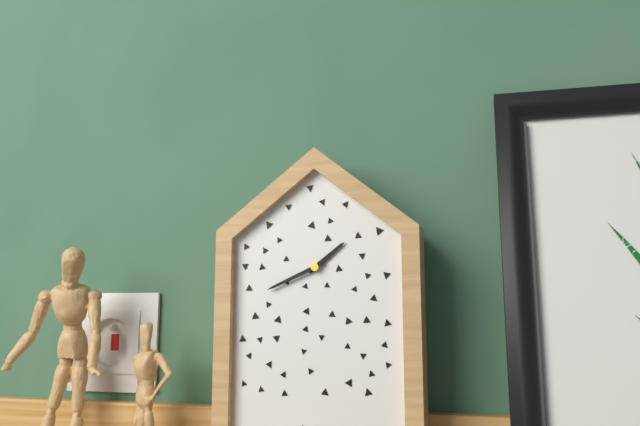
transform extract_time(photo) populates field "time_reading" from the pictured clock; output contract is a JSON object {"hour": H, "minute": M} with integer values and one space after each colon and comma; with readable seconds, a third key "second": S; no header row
{"hour": 1, "minute": 41}
